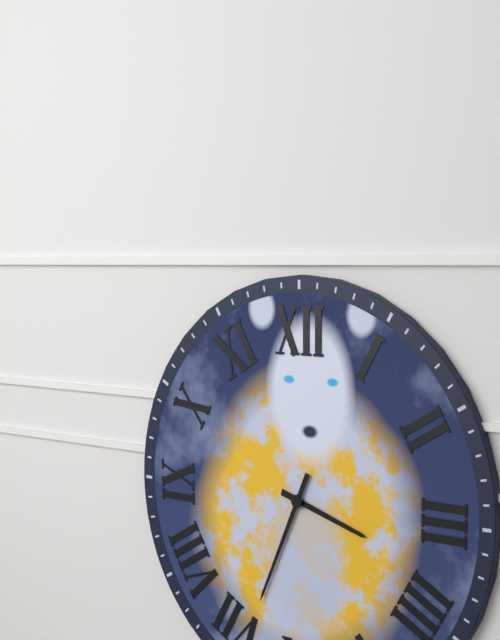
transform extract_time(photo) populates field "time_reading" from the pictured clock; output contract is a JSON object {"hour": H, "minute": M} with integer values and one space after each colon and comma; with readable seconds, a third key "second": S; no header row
{"hour": 3, "minute": 34}
